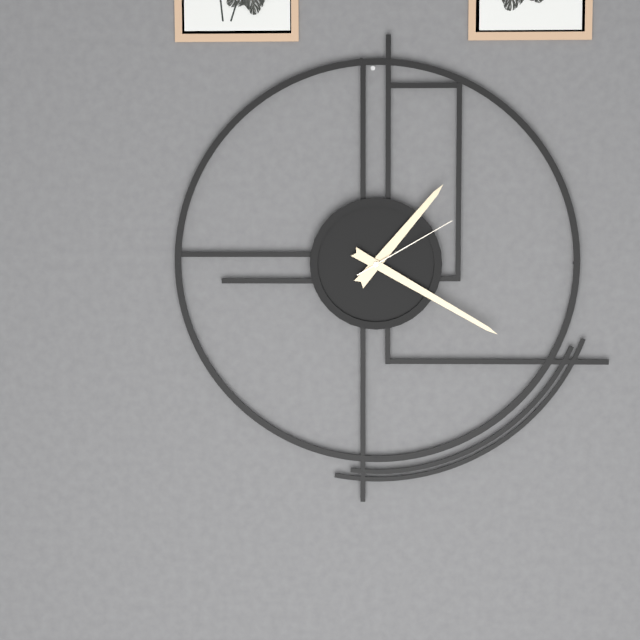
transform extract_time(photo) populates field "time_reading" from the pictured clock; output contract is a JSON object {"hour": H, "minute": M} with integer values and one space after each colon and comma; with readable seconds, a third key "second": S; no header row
{"hour": 1, "minute": 20, "second": 10}
